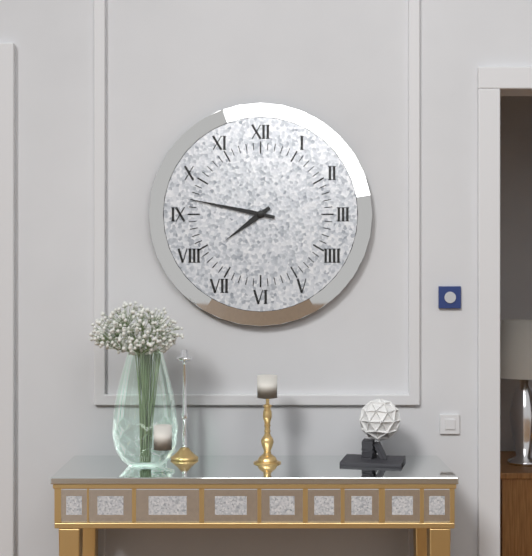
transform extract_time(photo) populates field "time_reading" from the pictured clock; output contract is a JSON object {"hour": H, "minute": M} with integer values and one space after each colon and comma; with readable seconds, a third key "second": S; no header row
{"hour": 7, "minute": 47}
